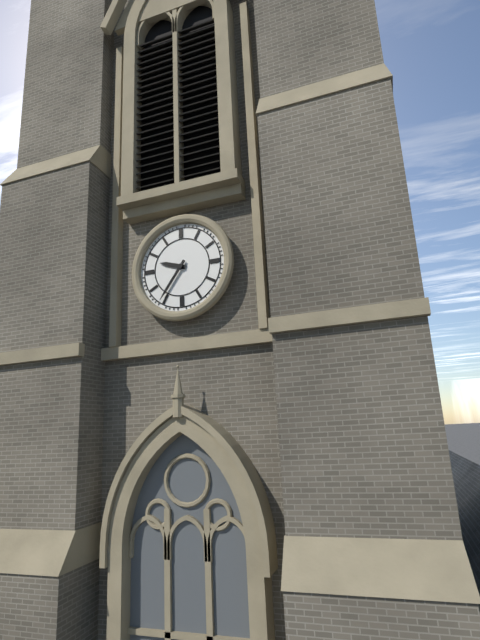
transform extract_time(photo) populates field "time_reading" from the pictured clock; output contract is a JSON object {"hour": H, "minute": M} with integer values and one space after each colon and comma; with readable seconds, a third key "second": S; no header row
{"hour": 9, "minute": 36}
